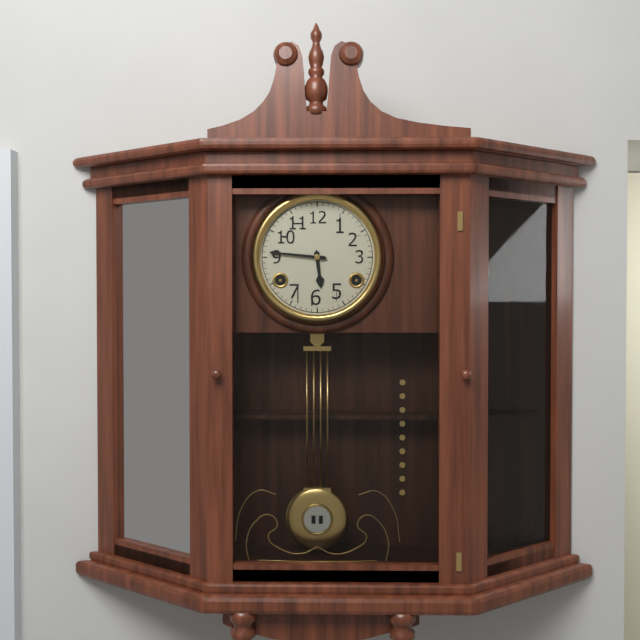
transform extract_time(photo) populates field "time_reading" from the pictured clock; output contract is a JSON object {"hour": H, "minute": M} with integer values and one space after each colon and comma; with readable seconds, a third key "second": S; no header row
{"hour": 5, "minute": 46}
